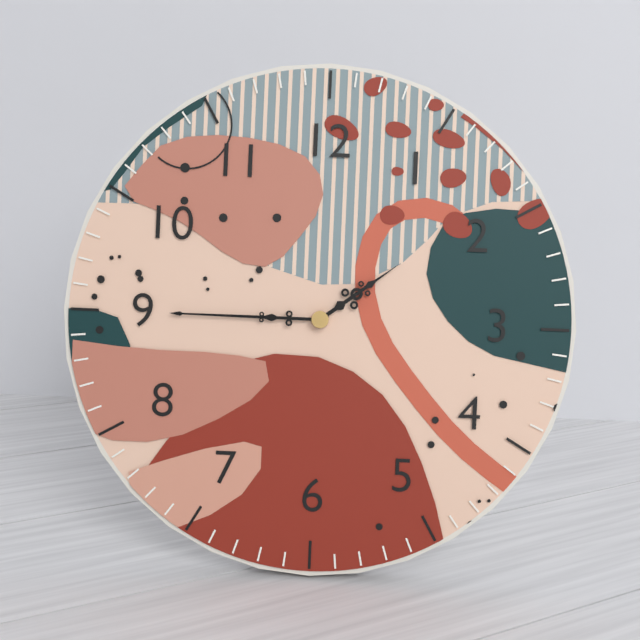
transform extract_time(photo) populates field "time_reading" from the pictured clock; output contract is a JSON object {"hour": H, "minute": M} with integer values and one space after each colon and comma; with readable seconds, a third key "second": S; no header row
{"hour": 1, "minute": 45}
